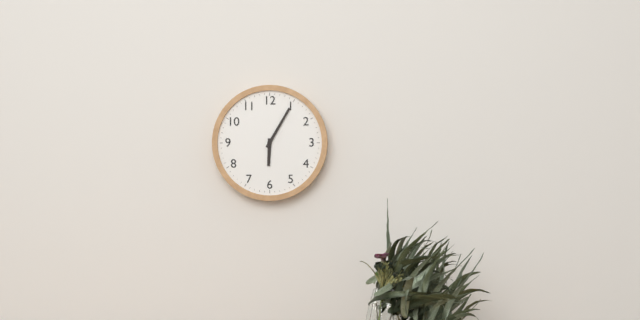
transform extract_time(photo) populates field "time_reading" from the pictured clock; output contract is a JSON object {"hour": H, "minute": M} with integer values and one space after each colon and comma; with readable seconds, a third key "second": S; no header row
{"hour": 6, "minute": 5}
